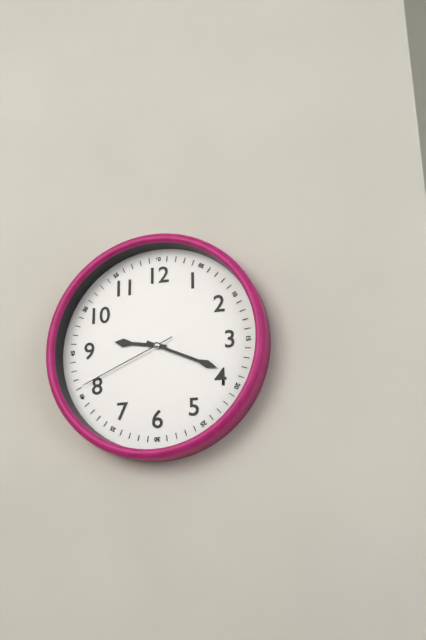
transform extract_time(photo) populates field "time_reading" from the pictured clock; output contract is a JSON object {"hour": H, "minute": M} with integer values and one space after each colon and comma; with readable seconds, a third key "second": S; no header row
{"hour": 9, "minute": 19, "second": 41}
